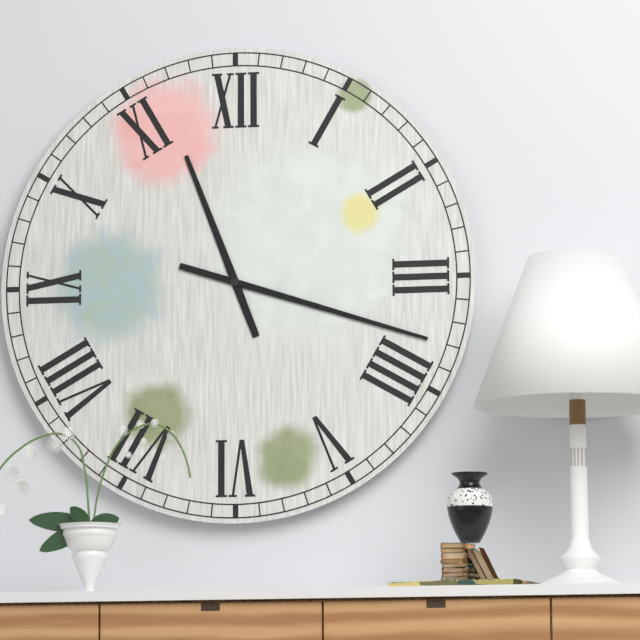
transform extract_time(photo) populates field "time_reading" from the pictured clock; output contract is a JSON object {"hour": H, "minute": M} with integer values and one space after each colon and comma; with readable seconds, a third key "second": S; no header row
{"hour": 11, "minute": 18}
